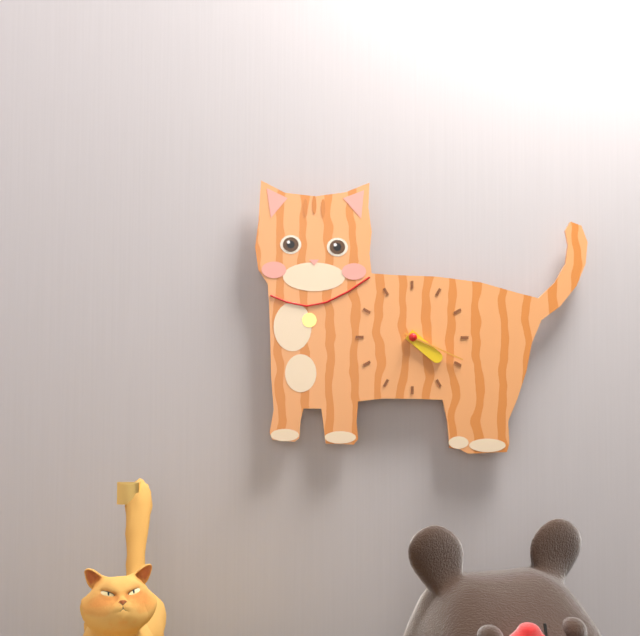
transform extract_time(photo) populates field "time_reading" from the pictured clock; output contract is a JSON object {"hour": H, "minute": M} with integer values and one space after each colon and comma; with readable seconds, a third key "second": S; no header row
{"hour": 4, "minute": 19}
